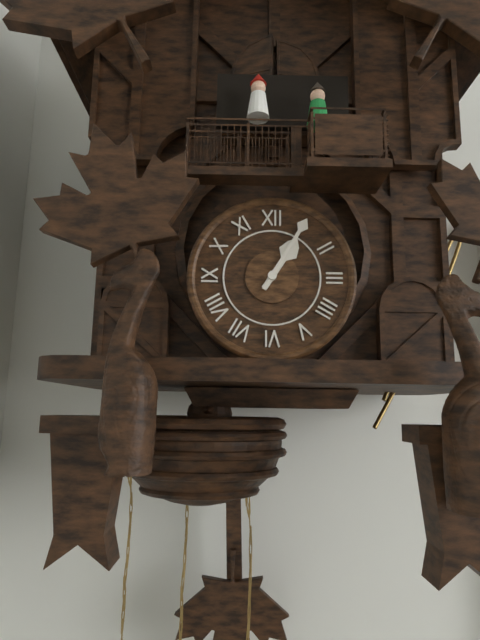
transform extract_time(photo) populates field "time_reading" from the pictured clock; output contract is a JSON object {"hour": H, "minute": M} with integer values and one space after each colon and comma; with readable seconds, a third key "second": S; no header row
{"hour": 1, "minute": 5}
